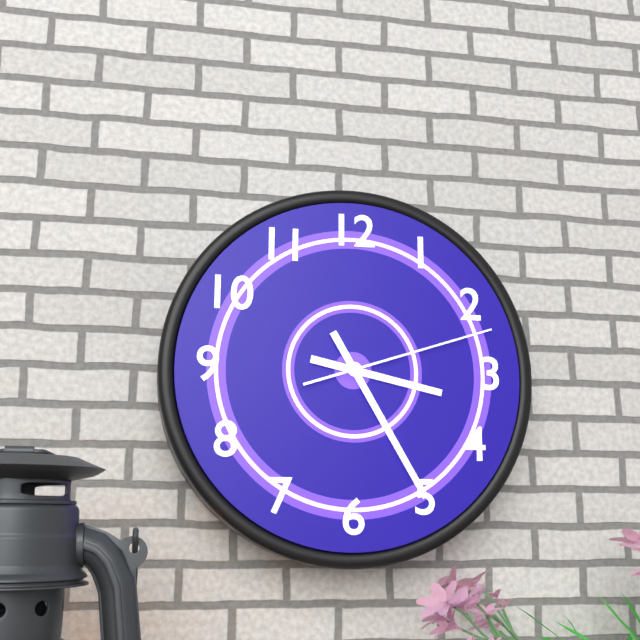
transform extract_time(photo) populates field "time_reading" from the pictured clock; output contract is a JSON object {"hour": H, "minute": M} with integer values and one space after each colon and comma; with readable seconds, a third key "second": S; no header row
{"hour": 3, "minute": 25, "second": 12}
